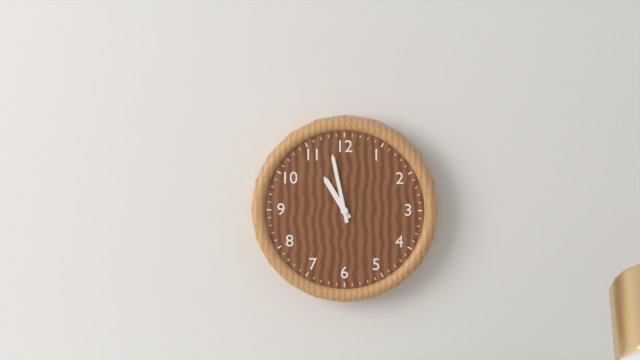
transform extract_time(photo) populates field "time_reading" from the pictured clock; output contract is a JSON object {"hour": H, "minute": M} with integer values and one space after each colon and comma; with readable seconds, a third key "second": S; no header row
{"hour": 10, "minute": 58}
